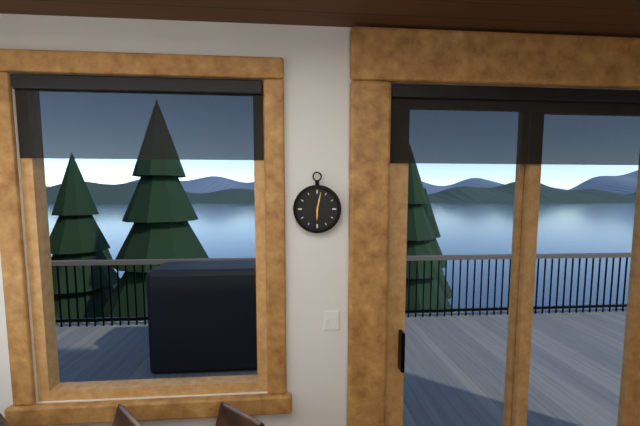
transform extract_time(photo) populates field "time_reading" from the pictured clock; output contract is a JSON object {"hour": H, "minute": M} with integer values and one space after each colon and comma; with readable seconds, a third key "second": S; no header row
{"hour": 6, "minute": 2}
